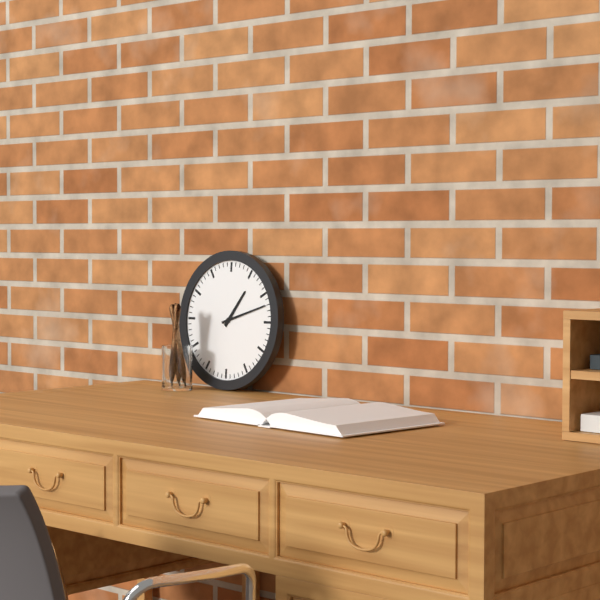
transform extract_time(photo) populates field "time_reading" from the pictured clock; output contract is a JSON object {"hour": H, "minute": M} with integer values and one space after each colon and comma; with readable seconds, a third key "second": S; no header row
{"hour": 1, "minute": 12}
